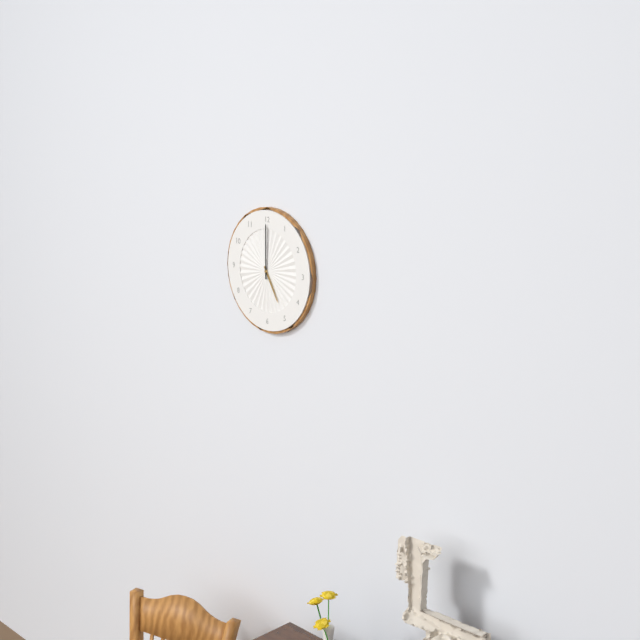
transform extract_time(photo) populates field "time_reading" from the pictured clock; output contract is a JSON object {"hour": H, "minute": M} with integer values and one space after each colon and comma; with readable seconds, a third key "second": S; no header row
{"hour": 5, "minute": 0}
